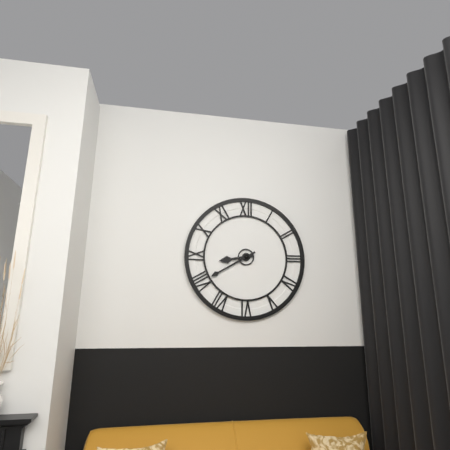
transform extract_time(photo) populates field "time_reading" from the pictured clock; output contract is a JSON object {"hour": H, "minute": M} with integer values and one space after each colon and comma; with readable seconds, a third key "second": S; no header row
{"hour": 8, "minute": 40}
